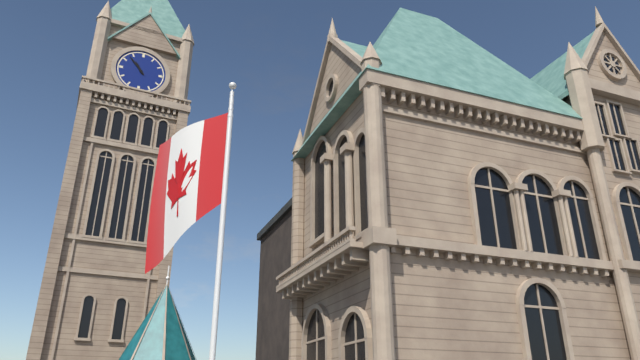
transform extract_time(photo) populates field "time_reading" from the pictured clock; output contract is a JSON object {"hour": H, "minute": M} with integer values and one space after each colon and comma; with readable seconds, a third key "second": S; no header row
{"hour": 10, "minute": 53}
